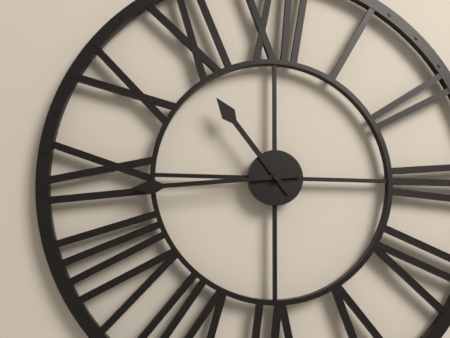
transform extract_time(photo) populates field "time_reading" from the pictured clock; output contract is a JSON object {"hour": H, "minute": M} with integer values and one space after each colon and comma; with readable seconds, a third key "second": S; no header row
{"hour": 10, "minute": 44}
